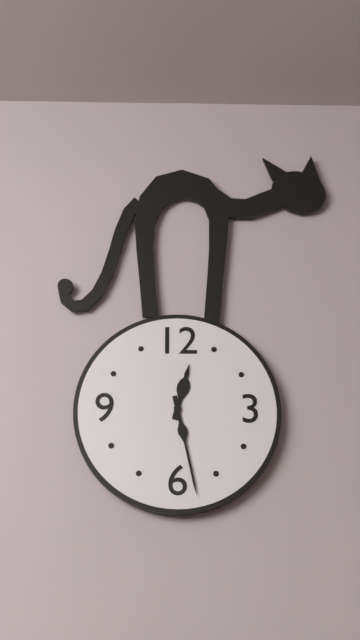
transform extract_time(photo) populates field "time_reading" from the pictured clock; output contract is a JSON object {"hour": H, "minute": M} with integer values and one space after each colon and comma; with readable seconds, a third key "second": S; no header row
{"hour": 12, "minute": 28}
